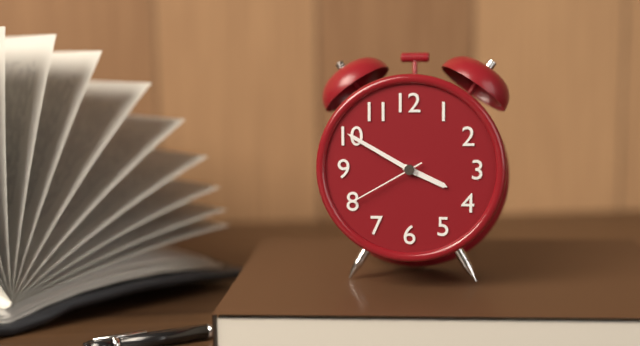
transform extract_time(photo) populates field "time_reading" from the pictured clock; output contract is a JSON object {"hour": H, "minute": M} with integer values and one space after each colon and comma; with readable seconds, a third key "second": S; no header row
{"hour": 3, "minute": 50, "second": 40}
